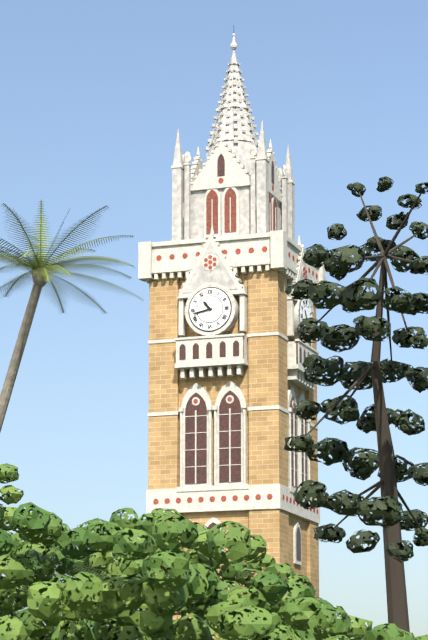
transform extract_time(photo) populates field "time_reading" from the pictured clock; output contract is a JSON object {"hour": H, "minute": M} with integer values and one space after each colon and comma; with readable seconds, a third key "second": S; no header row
{"hour": 10, "minute": 43}
